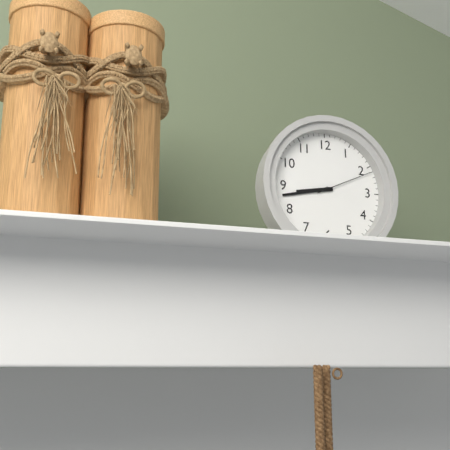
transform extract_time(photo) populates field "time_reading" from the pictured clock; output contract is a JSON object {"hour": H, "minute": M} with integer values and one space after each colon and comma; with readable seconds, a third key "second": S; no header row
{"hour": 8, "minute": 43, "second": 11}
